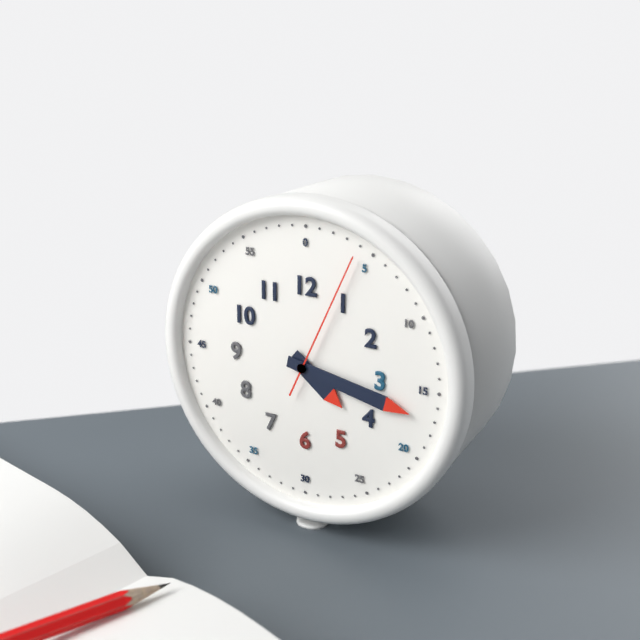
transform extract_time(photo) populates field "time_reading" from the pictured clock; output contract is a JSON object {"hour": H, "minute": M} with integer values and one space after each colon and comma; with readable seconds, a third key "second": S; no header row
{"hour": 4, "minute": 17, "second": 4}
